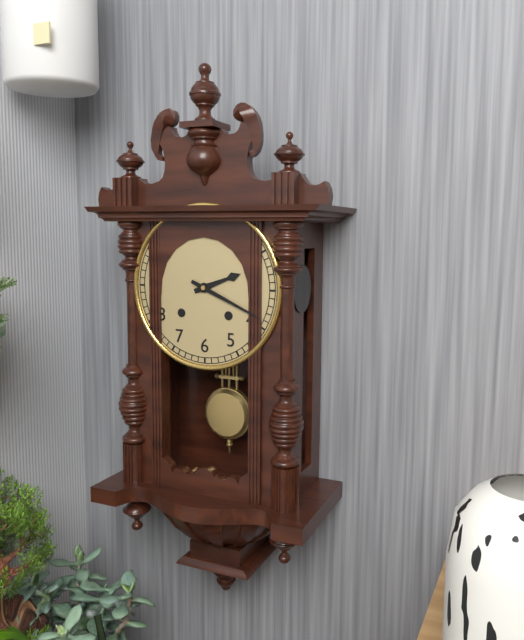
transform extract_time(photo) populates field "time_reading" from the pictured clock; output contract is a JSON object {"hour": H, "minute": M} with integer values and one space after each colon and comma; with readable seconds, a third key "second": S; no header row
{"hour": 2, "minute": 19}
